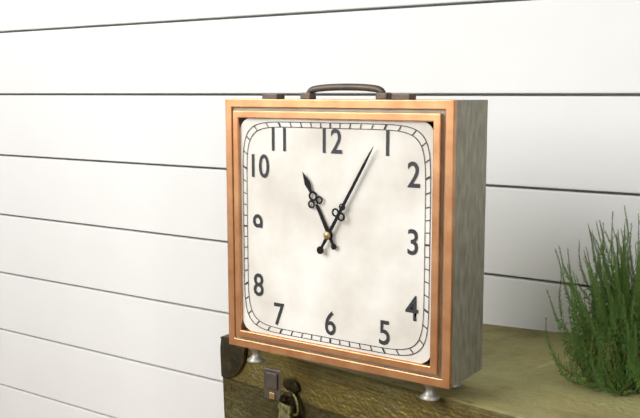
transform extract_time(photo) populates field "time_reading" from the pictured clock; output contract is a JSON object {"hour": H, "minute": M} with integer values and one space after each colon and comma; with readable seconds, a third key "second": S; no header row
{"hour": 11, "minute": 5}
